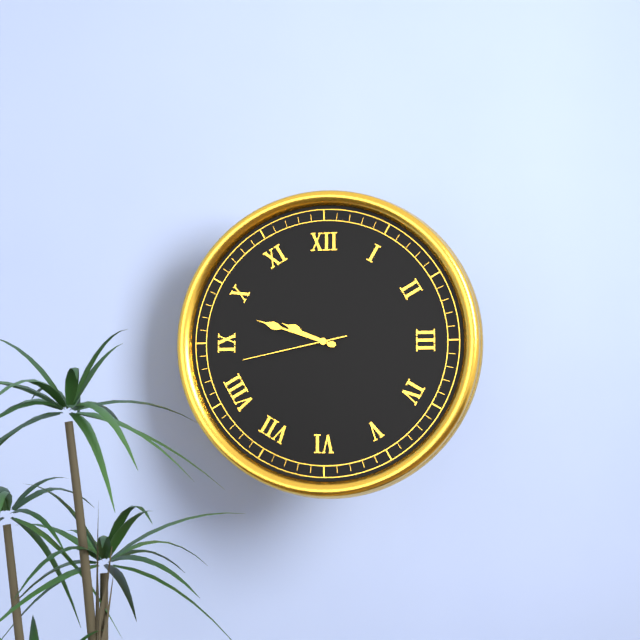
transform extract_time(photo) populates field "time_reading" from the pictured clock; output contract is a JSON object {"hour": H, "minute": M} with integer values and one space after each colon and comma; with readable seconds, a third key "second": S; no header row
{"hour": 9, "minute": 48, "second": 43}
